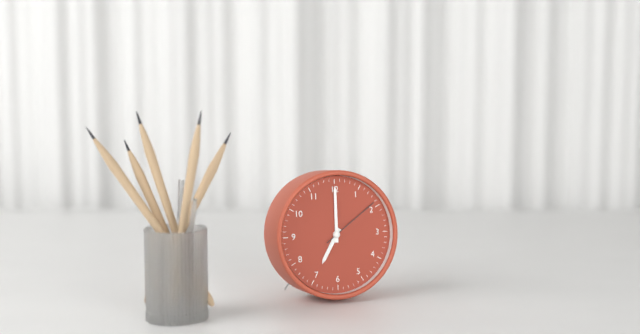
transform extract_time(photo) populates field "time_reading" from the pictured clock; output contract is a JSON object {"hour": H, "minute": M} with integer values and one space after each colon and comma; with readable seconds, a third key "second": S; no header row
{"hour": 7, "minute": 0, "second": 9}
